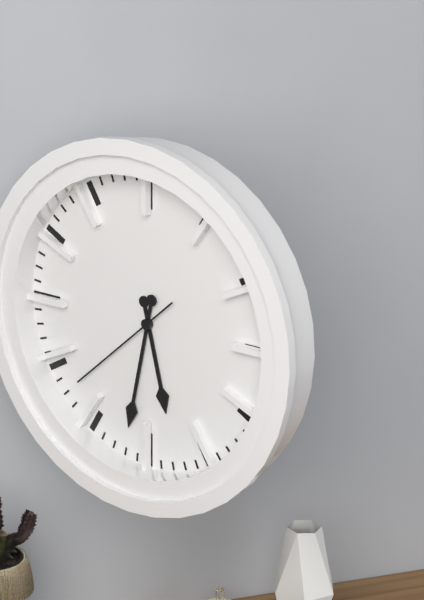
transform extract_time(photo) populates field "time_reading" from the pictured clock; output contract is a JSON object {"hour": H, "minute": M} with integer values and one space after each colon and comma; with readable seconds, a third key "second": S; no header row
{"hour": 5, "minute": 32, "second": 38}
